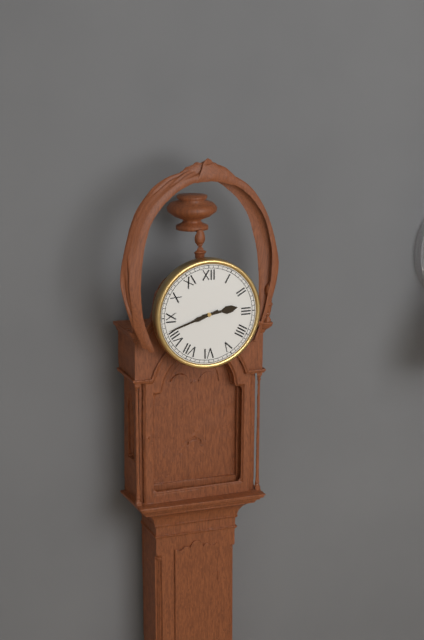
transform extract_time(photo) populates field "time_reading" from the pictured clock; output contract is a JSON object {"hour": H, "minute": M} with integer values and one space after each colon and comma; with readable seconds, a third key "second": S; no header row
{"hour": 2, "minute": 42}
